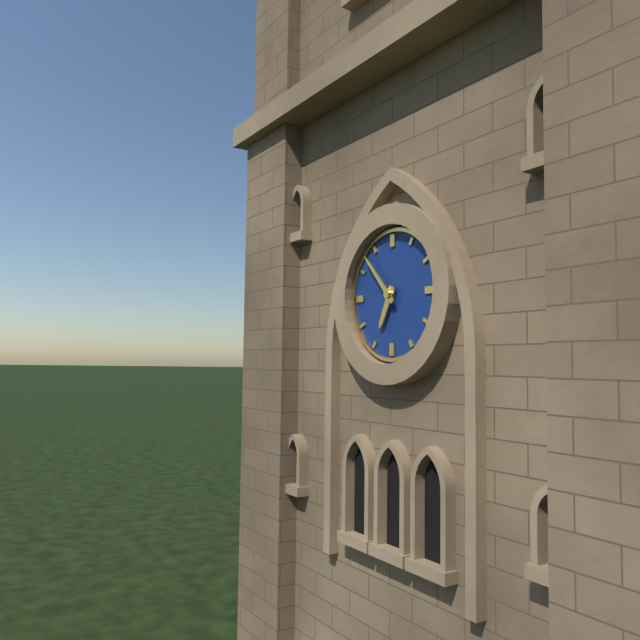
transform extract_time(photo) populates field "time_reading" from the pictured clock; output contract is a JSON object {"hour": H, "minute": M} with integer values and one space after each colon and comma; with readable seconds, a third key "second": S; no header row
{"hour": 6, "minute": 53}
